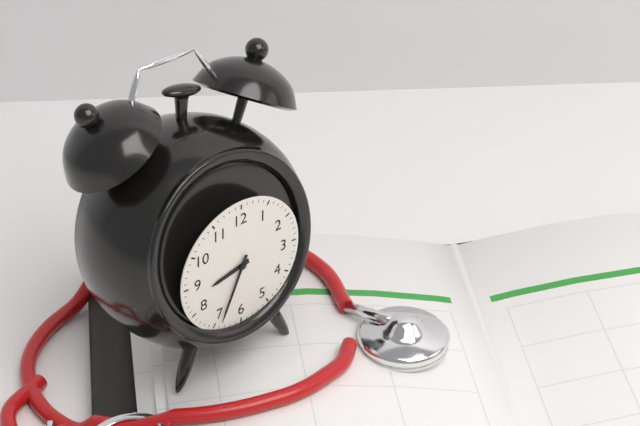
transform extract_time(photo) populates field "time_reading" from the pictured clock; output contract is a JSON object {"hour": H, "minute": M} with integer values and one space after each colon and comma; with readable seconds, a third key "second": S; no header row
{"hour": 8, "minute": 34}
